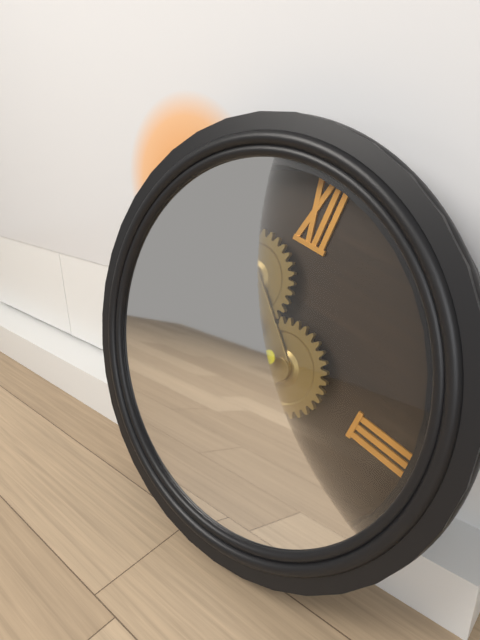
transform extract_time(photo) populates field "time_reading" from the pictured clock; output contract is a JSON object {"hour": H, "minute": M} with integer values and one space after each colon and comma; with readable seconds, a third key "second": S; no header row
{"hour": 5, "minute": 40}
